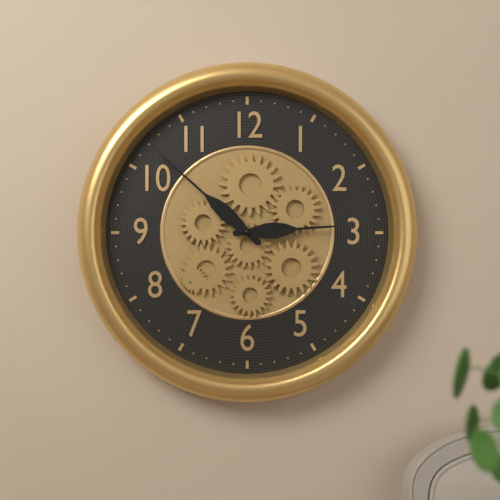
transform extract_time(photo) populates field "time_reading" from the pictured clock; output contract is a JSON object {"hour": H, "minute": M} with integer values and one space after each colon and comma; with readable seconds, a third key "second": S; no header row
{"hour": 2, "minute": 52}
